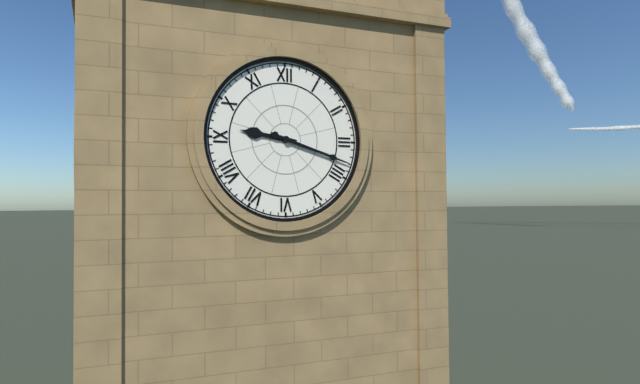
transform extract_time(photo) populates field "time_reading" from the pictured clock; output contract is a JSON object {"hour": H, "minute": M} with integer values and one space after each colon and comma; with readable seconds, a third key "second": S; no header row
{"hour": 9, "minute": 18}
